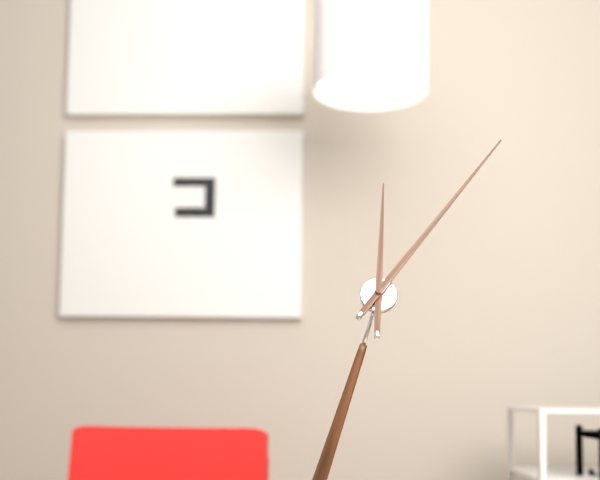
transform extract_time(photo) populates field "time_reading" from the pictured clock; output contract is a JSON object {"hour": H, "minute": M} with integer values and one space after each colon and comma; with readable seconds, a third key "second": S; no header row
{"hour": 12, "minute": 6}
